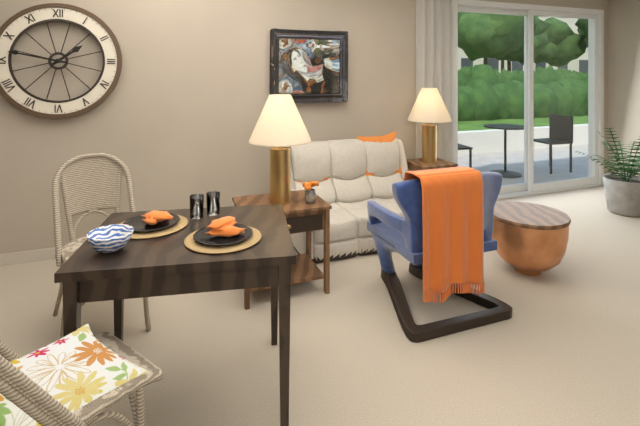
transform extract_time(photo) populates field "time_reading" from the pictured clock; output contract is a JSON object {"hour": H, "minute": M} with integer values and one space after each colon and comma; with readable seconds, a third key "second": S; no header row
{"hour": 1, "minute": 47}
